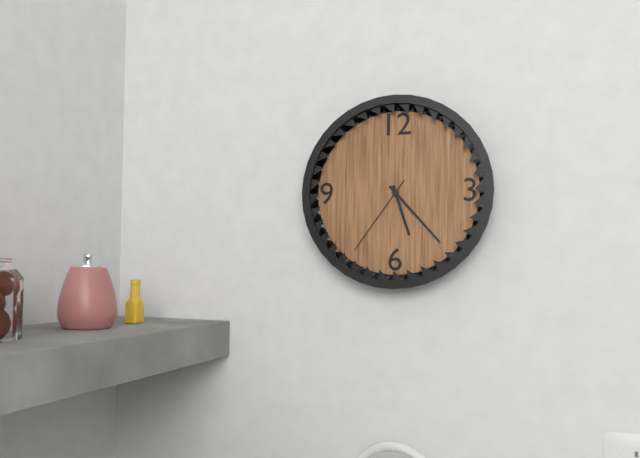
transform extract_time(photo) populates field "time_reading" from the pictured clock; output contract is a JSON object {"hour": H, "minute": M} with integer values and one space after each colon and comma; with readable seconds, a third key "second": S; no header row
{"hour": 5, "minute": 23, "second": 36}
